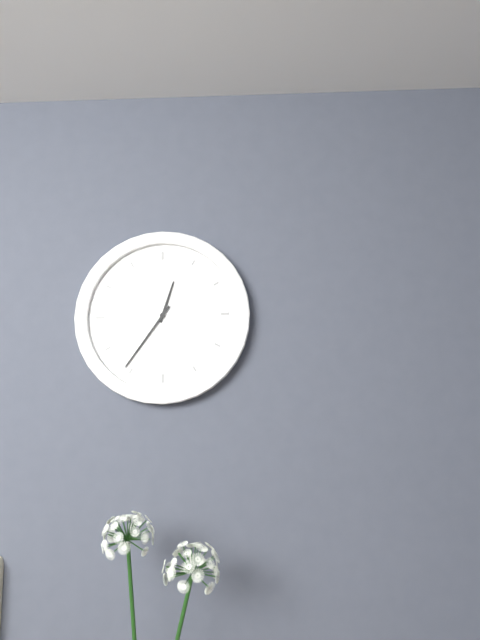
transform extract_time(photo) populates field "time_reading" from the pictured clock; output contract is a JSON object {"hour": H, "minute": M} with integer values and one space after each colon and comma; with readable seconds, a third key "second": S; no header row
{"hour": 12, "minute": 36}
